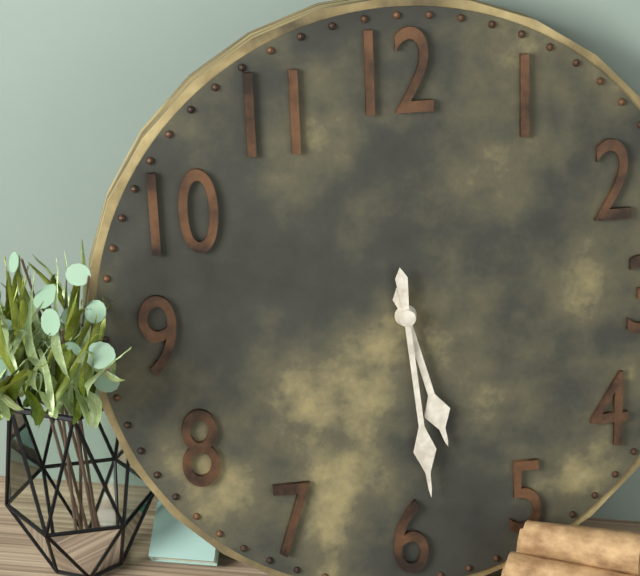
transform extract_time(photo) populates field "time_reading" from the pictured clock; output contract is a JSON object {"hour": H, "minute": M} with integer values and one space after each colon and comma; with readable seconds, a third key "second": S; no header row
{"hour": 5, "minute": 29}
